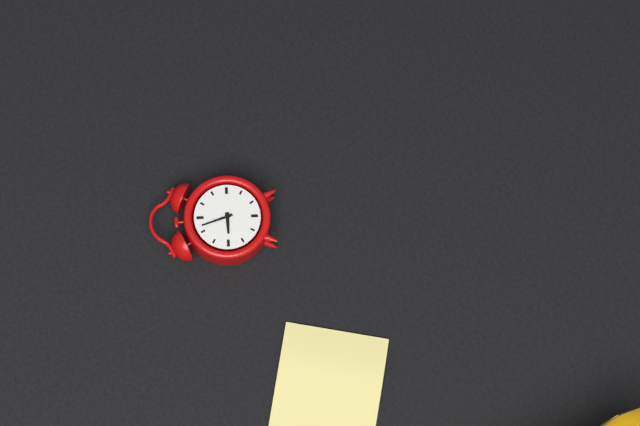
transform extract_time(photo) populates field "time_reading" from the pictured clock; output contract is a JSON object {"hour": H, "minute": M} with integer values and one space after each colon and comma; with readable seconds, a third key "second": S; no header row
{"hour": 8, "minute": 57}
